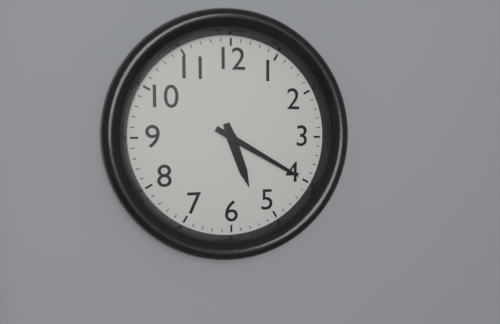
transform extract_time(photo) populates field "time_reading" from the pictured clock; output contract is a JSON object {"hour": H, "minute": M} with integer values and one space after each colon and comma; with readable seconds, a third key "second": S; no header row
{"hour": 5, "minute": 20}
